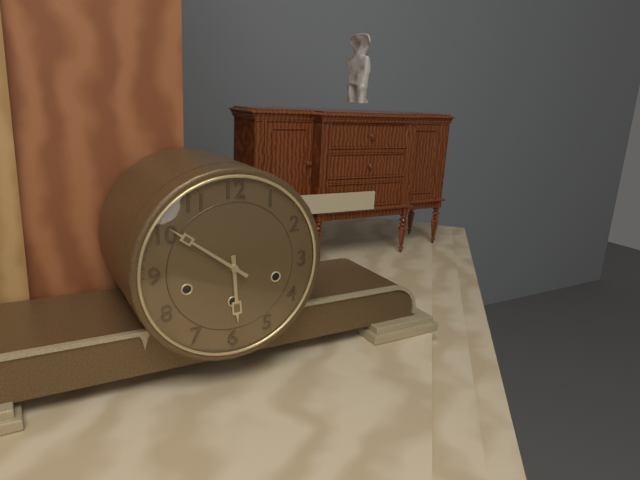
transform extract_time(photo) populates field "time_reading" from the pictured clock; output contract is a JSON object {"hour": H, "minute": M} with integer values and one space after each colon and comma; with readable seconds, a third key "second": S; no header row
{"hour": 5, "minute": 51}
